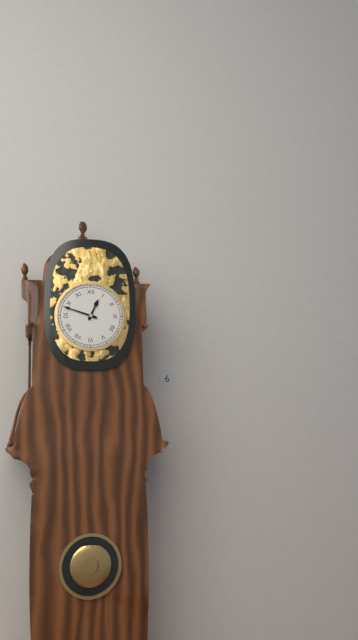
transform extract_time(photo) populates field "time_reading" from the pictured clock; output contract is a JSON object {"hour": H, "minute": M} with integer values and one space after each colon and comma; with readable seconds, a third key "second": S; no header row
{"hour": 12, "minute": 48}
